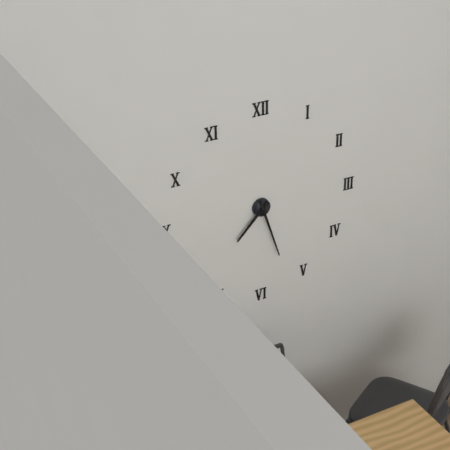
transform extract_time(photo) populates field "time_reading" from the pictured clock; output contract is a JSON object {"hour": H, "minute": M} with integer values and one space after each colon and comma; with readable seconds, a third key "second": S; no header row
{"hour": 7, "minute": 27}
